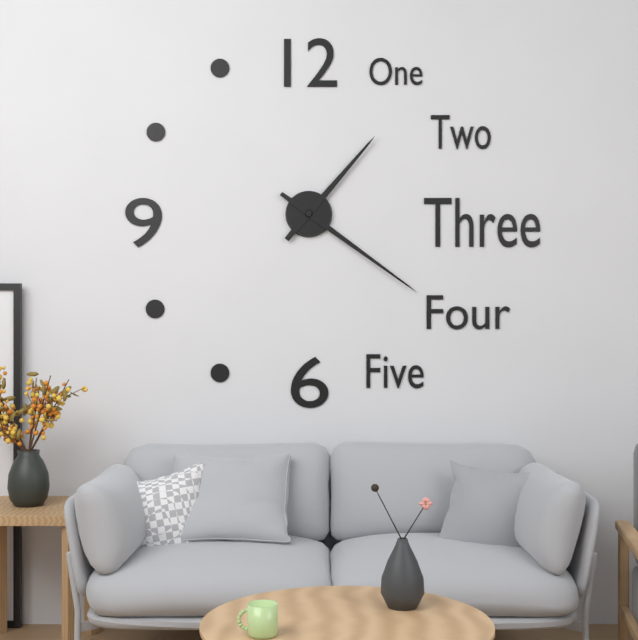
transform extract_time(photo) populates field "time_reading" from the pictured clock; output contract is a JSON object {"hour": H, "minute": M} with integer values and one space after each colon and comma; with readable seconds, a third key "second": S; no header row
{"hour": 1, "minute": 21}
